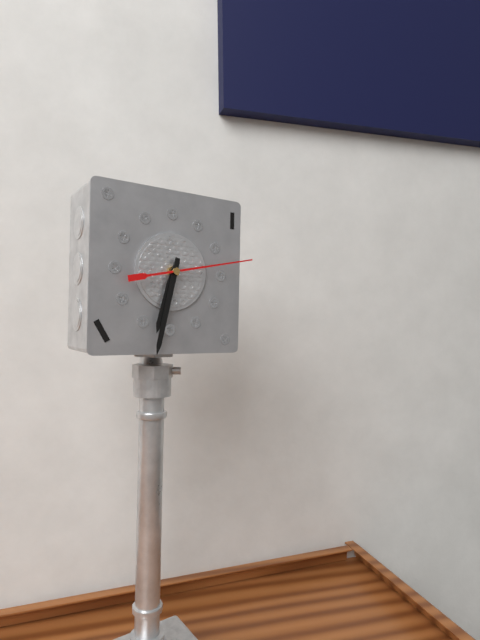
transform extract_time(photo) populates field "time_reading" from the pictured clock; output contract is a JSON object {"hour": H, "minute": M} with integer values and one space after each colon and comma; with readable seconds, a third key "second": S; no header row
{"hour": 6, "minute": 32, "second": 13}
